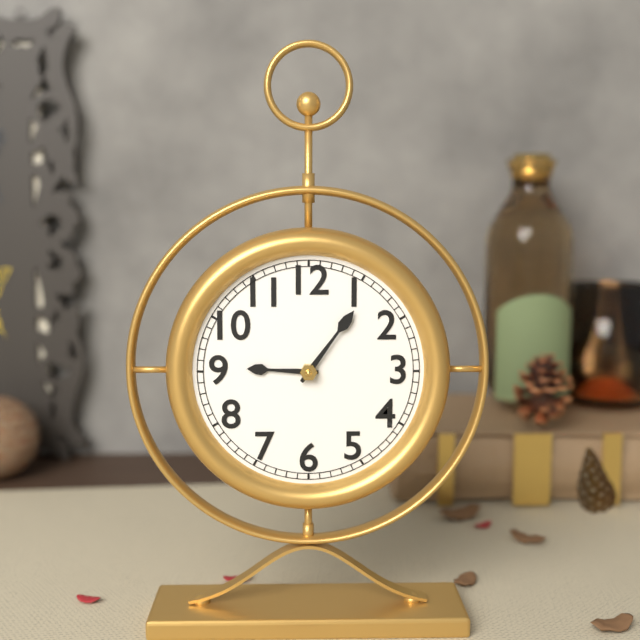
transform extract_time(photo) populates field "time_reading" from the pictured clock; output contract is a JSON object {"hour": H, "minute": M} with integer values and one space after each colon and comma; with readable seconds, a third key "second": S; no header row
{"hour": 9, "minute": 6}
